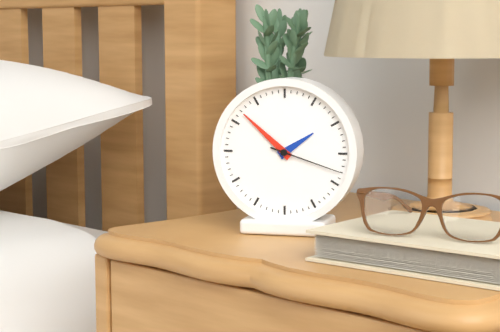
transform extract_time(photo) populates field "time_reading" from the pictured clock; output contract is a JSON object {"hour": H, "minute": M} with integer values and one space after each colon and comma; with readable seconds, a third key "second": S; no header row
{"hour": 1, "minute": 52, "second": 18}
